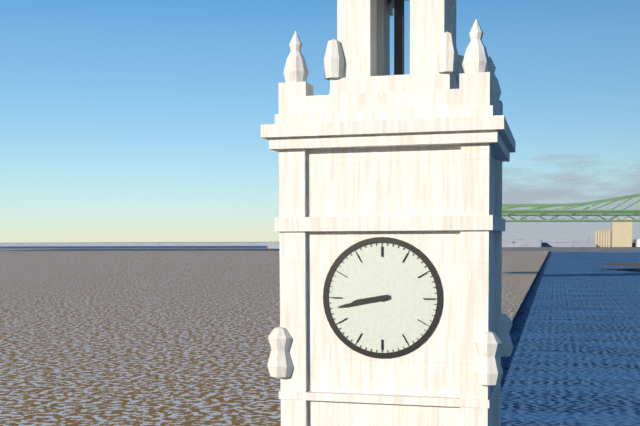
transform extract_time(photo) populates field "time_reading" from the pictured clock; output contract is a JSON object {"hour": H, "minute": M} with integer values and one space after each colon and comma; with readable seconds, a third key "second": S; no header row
{"hour": 8, "minute": 43}
